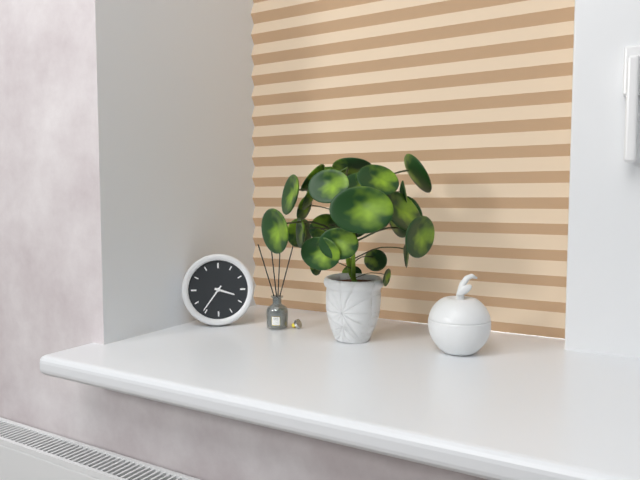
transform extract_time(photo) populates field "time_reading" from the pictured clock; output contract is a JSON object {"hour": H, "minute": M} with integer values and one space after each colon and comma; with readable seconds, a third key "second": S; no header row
{"hour": 3, "minute": 36}
